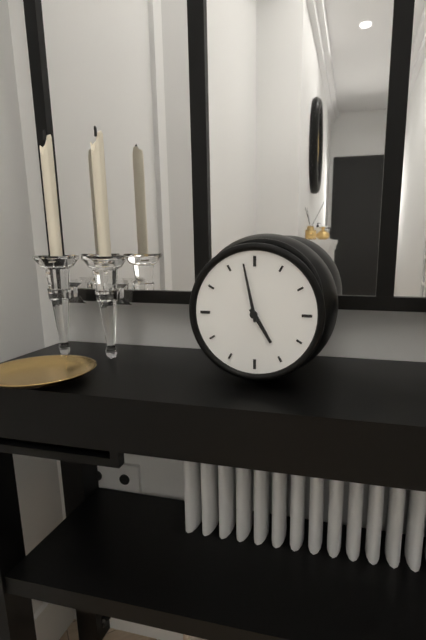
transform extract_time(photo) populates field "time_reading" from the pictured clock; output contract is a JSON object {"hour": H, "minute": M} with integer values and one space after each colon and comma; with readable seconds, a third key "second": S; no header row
{"hour": 4, "minute": 58}
